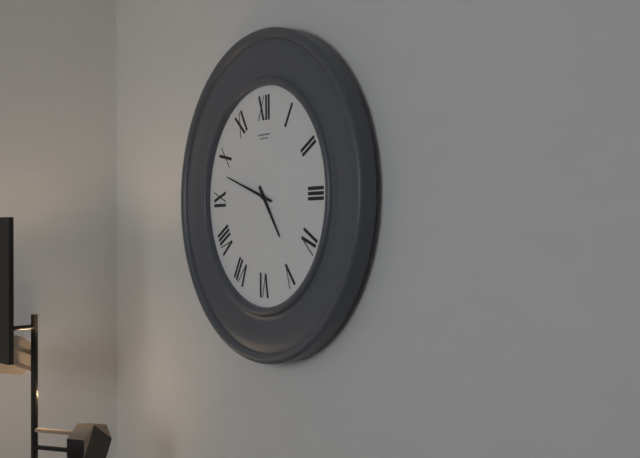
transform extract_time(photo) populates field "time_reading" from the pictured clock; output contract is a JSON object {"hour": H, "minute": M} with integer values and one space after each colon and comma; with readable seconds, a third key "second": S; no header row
{"hour": 4, "minute": 48}
